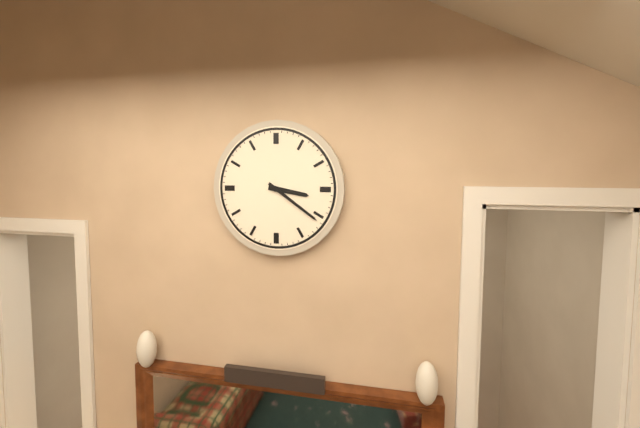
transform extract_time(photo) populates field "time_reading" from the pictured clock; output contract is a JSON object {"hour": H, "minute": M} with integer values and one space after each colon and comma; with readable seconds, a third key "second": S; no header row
{"hour": 3, "minute": 21}
